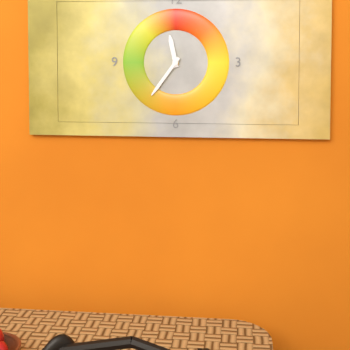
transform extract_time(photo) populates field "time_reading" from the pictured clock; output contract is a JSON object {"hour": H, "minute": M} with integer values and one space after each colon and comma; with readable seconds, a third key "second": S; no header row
{"hour": 11, "minute": 36}
